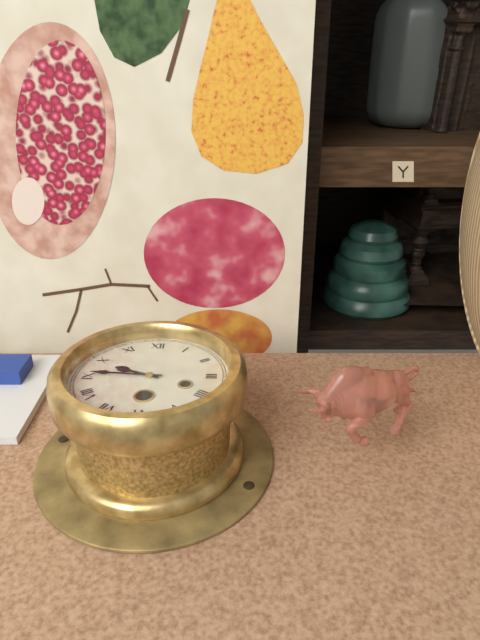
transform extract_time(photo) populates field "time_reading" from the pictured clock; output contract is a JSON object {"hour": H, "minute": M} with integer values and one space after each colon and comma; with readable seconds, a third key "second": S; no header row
{"hour": 9, "minute": 46}
